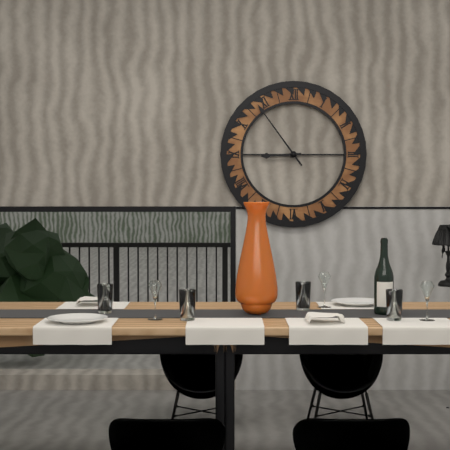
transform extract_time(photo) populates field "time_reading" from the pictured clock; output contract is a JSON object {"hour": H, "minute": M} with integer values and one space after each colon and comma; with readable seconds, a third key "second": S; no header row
{"hour": 8, "minute": 54}
